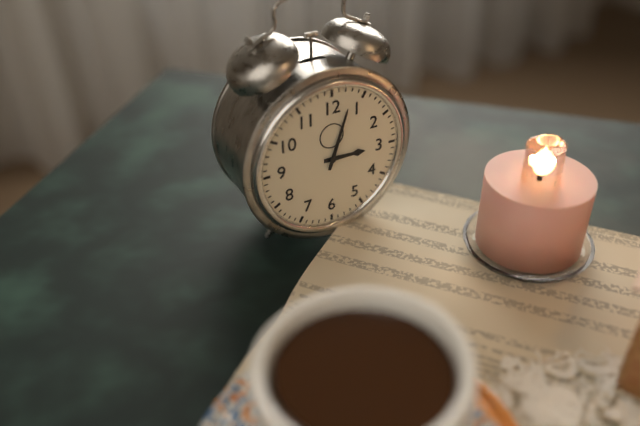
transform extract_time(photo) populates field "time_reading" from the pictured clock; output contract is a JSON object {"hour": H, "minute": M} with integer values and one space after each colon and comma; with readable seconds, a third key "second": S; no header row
{"hour": 3, "minute": 3}
